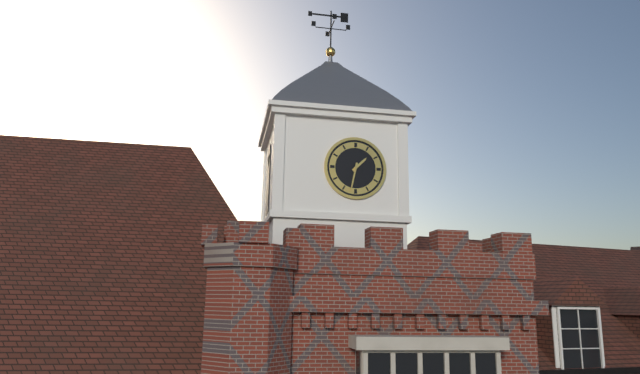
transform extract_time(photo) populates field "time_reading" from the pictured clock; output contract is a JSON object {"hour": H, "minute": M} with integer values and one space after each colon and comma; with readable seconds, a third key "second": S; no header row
{"hour": 1, "minute": 32}
